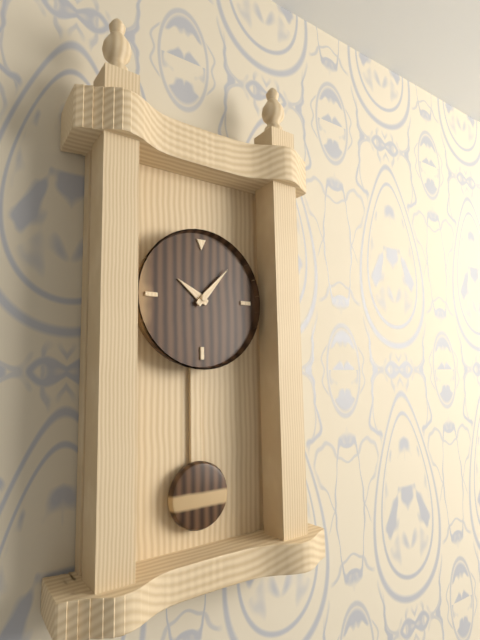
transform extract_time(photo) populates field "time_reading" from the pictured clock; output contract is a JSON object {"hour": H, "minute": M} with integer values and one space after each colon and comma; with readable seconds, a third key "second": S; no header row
{"hour": 10, "minute": 7}
